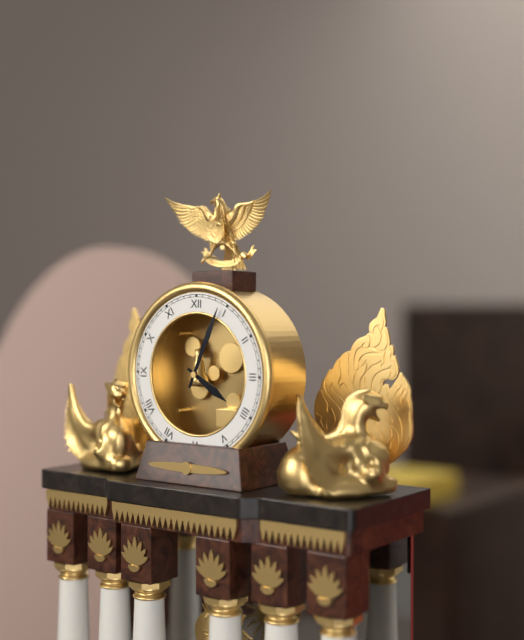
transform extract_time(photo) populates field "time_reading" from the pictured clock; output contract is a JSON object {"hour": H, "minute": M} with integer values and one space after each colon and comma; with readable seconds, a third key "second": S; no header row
{"hour": 4, "minute": 4}
